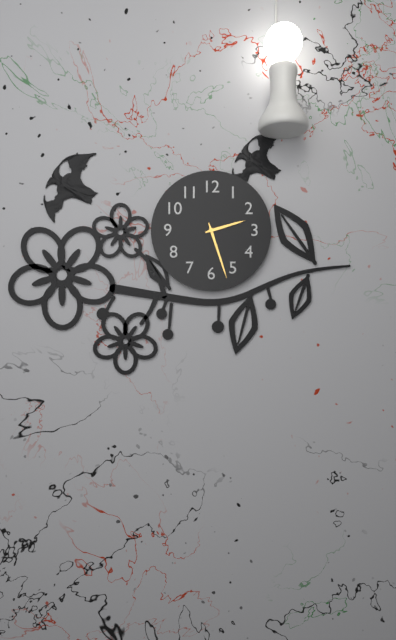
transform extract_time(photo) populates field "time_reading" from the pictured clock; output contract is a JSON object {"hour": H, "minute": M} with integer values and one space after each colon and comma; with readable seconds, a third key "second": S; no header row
{"hour": 2, "minute": 27}
